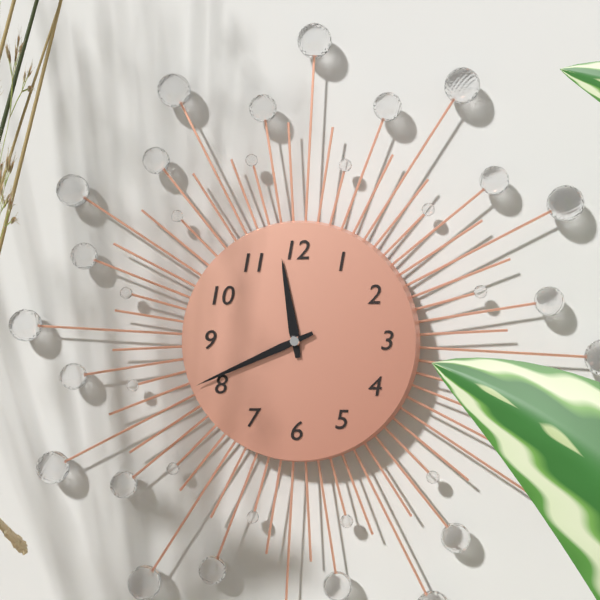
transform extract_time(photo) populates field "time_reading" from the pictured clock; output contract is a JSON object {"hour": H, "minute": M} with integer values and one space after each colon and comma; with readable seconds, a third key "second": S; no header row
{"hour": 11, "minute": 41}
